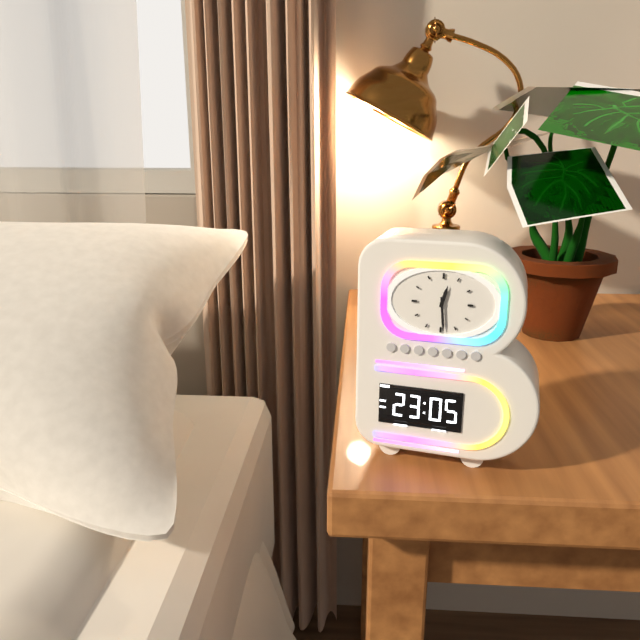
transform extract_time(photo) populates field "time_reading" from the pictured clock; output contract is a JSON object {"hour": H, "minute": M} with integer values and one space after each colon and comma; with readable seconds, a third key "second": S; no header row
{"hour": 12, "minute": 29}
